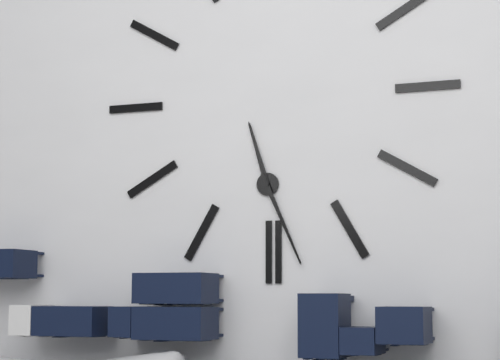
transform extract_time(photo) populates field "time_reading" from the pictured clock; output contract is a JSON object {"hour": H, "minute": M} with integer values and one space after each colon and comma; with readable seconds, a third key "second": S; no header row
{"hour": 11, "minute": 26}
